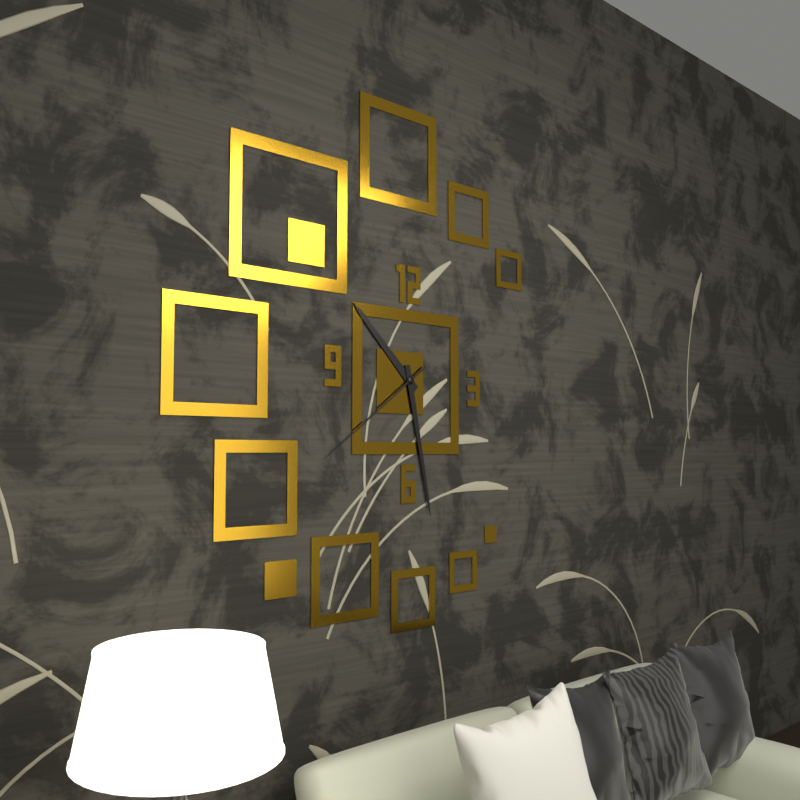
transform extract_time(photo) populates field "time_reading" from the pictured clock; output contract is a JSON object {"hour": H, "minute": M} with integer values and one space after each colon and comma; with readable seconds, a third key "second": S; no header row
{"hour": 10, "minute": 28, "second": 39}
